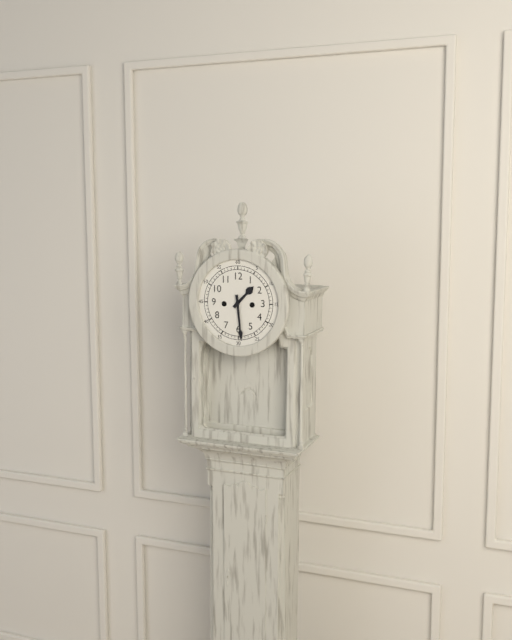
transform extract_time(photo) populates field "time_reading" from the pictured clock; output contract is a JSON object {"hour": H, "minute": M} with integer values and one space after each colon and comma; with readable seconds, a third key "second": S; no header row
{"hour": 1, "minute": 29}
